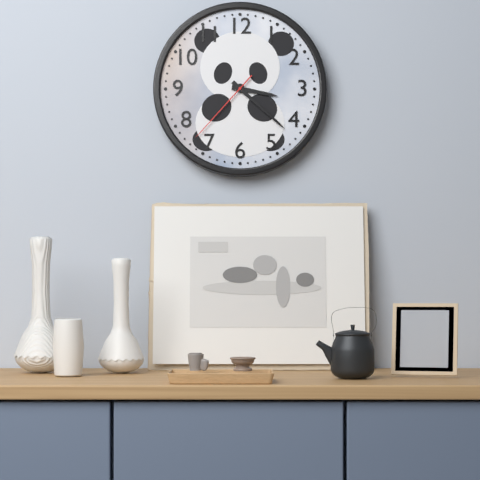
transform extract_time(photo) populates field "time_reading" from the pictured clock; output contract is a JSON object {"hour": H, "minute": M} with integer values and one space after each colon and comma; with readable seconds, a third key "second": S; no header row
{"hour": 3, "minute": 22, "second": 37}
